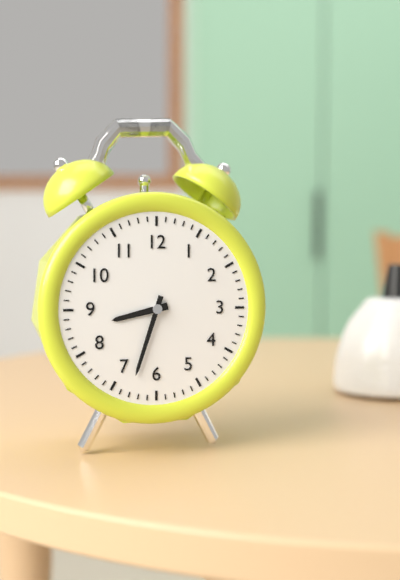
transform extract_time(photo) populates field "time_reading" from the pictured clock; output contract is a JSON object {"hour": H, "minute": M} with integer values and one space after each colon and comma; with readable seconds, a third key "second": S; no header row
{"hour": 8, "minute": 33}
